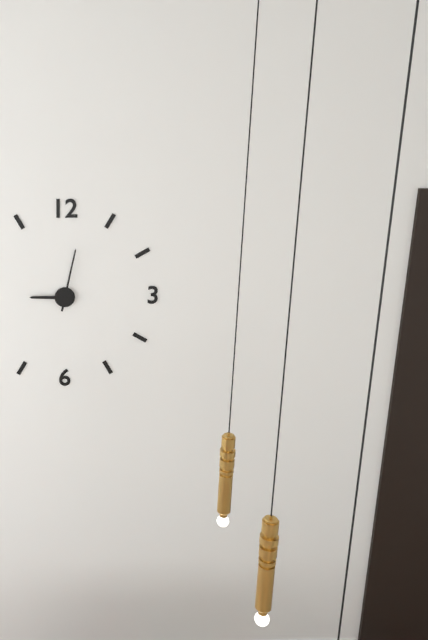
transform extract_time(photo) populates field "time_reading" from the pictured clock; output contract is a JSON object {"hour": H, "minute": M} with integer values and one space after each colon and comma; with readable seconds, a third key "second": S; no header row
{"hour": 9, "minute": 2}
